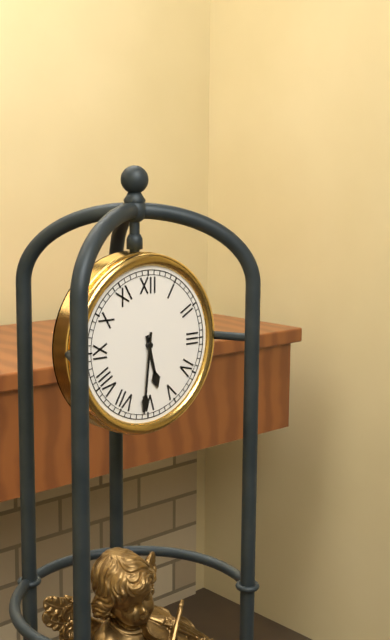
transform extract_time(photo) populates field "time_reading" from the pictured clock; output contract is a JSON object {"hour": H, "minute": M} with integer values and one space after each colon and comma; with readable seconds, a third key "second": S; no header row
{"hour": 5, "minute": 31}
